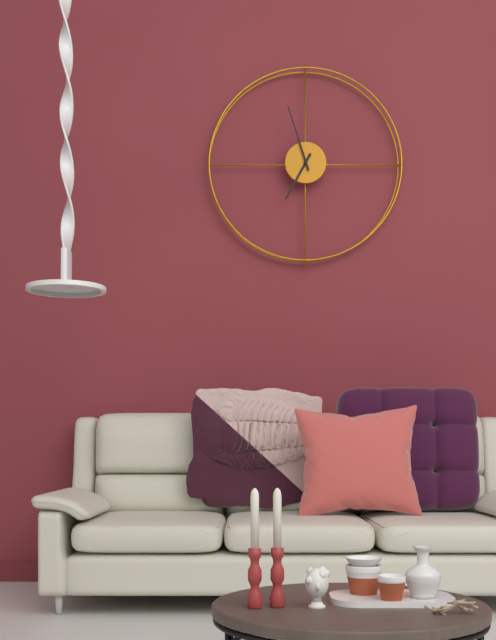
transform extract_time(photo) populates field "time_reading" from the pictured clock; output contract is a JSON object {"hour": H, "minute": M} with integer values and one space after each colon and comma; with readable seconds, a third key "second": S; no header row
{"hour": 6, "minute": 57}
